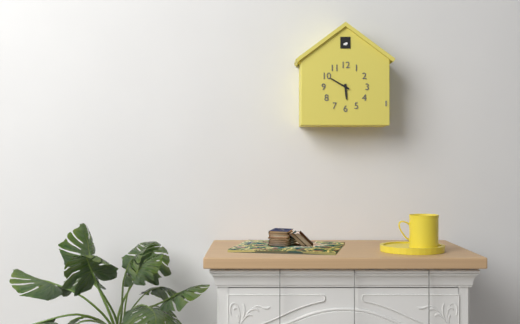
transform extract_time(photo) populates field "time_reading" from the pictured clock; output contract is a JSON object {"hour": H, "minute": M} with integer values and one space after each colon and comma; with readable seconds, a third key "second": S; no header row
{"hour": 5, "minute": 50}
